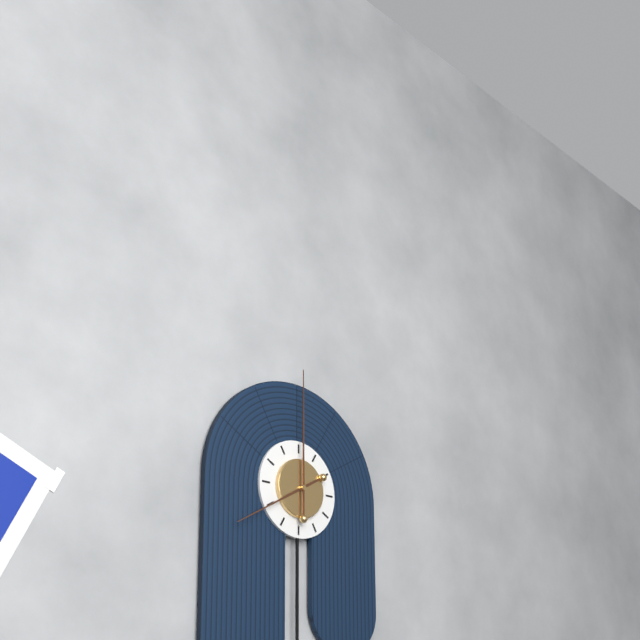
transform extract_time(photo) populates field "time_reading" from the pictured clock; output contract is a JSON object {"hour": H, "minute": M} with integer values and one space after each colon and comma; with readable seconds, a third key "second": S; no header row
{"hour": 8, "minute": 0}
